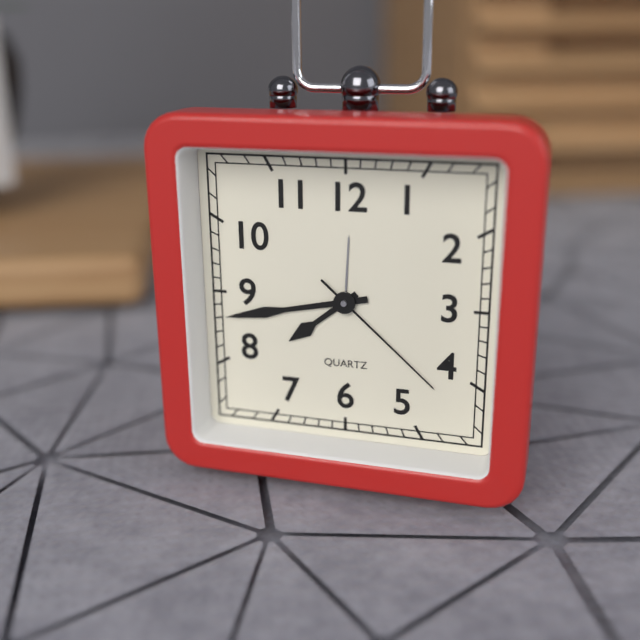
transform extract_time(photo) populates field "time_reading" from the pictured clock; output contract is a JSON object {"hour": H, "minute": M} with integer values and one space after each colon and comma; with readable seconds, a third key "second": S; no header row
{"hour": 7, "minute": 43, "second": 22}
